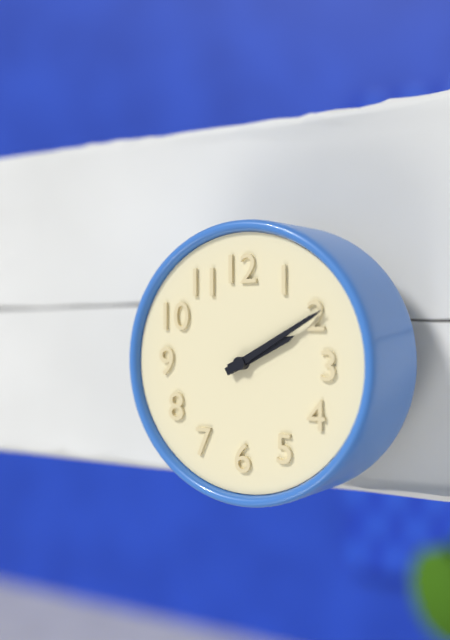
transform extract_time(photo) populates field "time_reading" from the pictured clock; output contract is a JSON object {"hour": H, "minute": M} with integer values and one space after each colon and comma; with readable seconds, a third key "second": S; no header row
{"hour": 2, "minute": 10}
